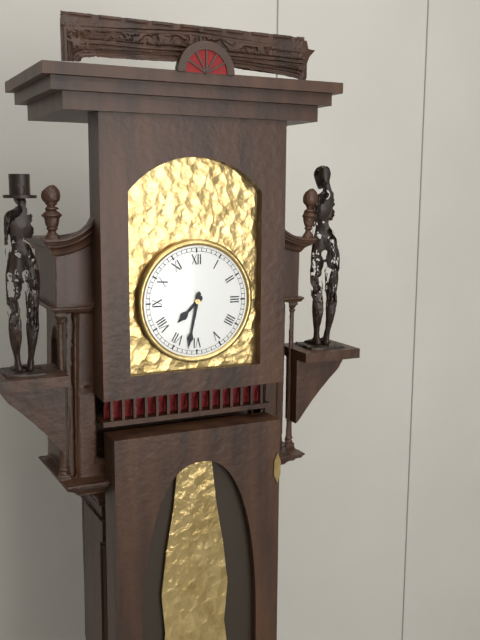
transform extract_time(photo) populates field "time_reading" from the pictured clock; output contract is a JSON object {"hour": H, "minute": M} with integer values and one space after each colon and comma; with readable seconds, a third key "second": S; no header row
{"hour": 7, "minute": 32}
